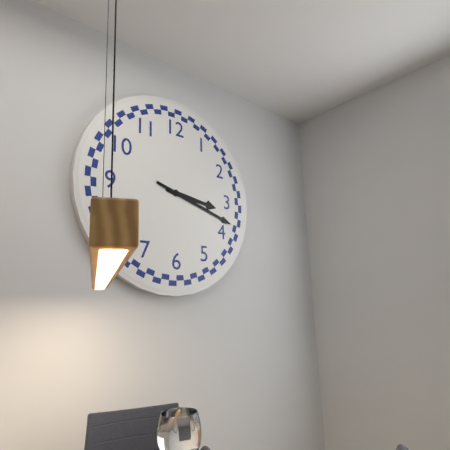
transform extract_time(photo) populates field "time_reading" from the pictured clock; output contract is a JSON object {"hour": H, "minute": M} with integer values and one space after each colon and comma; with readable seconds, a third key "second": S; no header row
{"hour": 3, "minute": 18}
